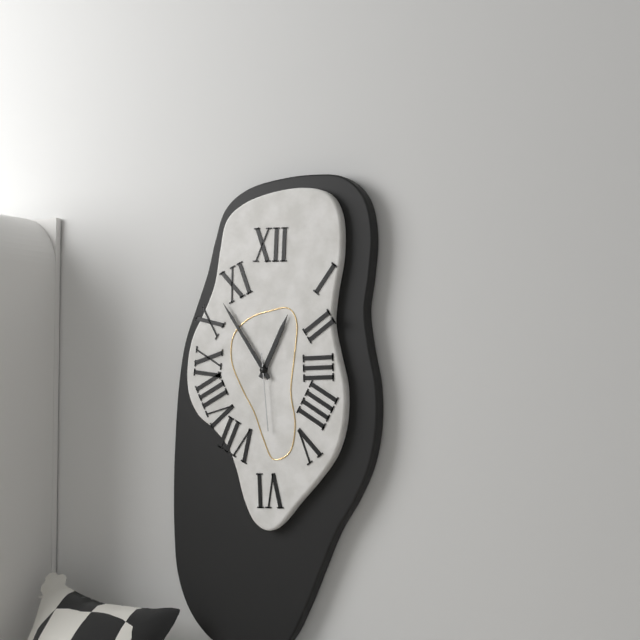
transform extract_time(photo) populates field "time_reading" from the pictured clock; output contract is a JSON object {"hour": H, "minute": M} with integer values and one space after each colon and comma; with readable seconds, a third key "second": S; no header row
{"hour": 12, "minute": 54, "second": 29}
